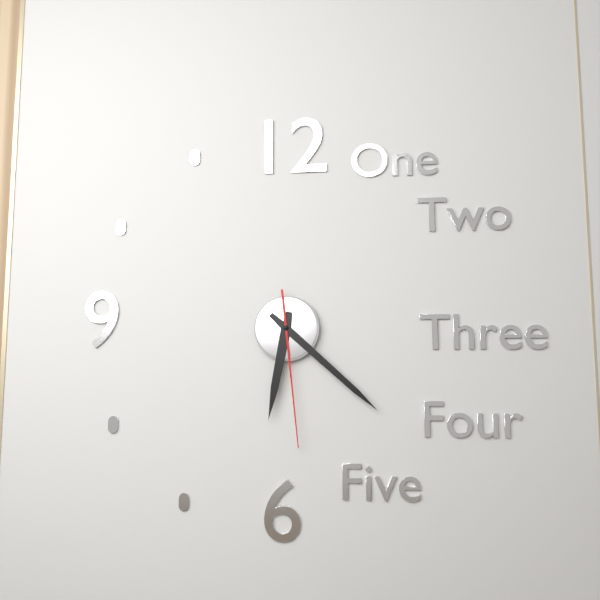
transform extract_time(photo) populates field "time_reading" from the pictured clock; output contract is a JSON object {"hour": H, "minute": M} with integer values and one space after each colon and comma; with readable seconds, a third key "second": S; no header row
{"hour": 6, "minute": 22, "second": 29}
